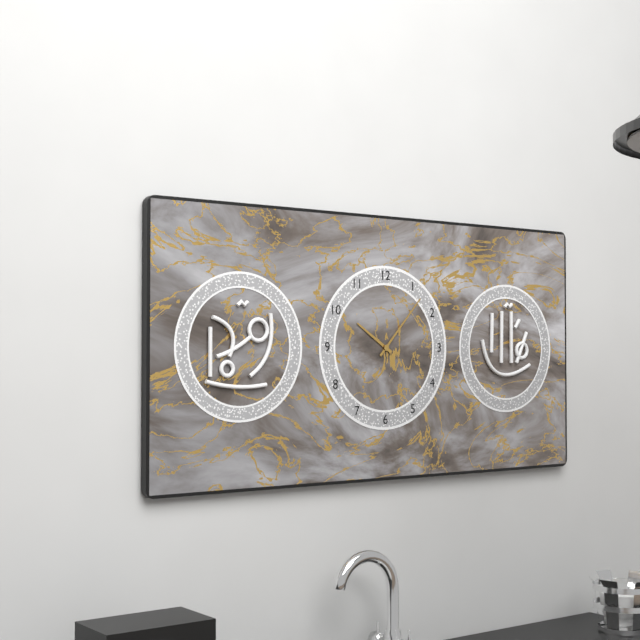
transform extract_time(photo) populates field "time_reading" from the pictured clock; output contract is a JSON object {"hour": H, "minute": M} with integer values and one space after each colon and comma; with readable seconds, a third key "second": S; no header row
{"hour": 10, "minute": 7}
